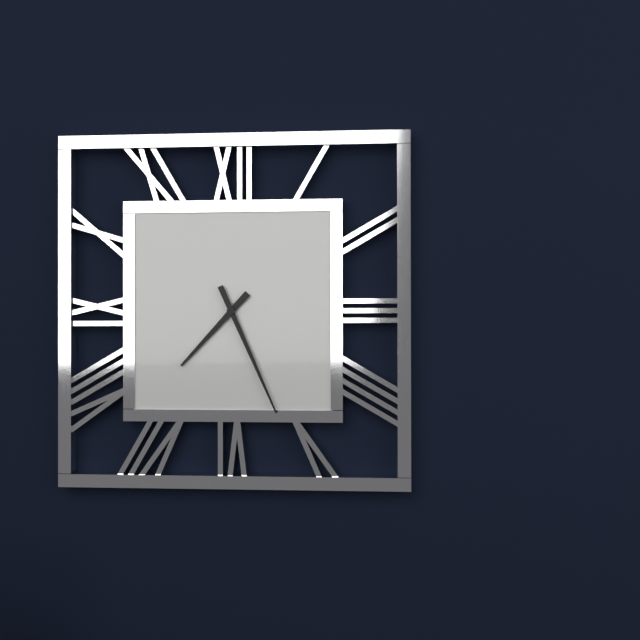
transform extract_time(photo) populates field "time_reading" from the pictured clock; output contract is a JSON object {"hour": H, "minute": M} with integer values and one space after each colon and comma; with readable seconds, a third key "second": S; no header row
{"hour": 7, "minute": 26}
